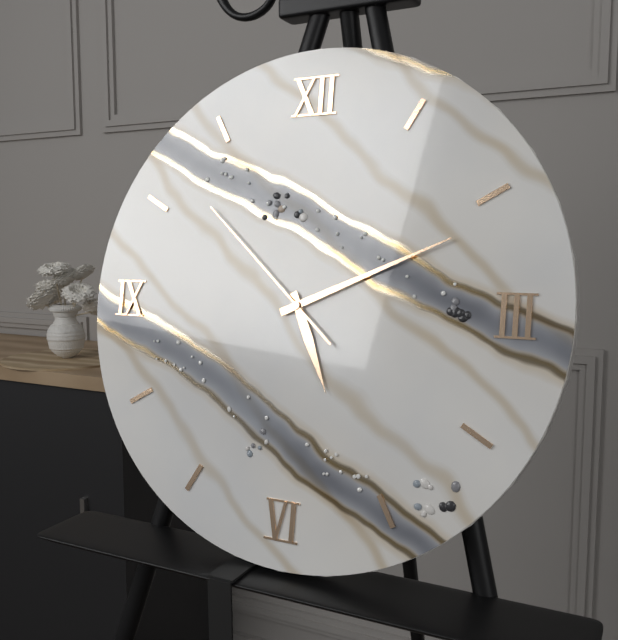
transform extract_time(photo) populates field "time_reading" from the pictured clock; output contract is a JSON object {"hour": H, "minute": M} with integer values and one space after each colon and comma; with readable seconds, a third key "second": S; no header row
{"hour": 5, "minute": 11, "second": 52}
